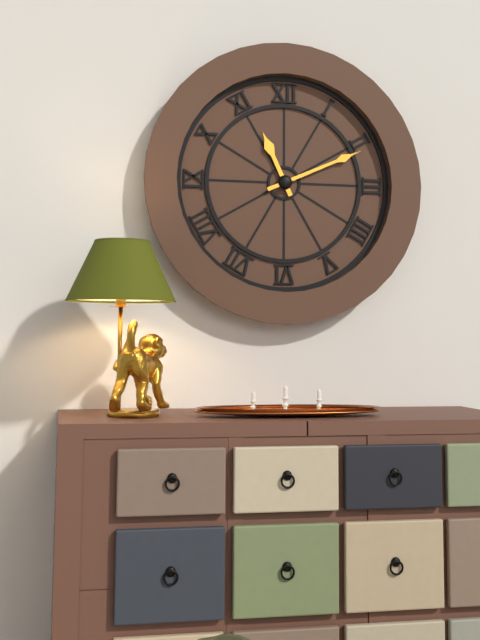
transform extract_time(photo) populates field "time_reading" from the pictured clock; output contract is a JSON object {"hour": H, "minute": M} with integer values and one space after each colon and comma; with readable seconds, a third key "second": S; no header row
{"hour": 11, "minute": 11}
